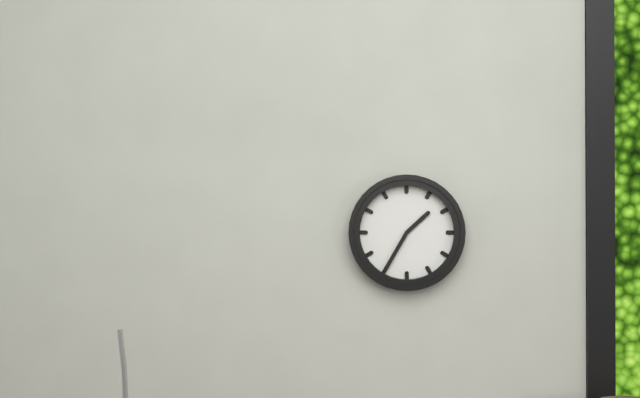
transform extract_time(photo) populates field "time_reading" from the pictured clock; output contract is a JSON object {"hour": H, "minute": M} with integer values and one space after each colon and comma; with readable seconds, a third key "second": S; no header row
{"hour": 1, "minute": 35}
